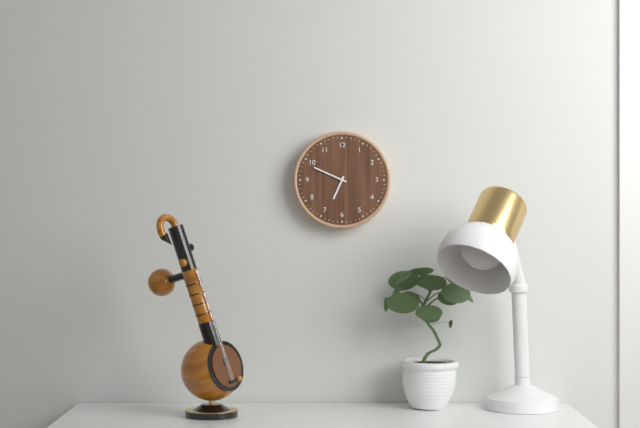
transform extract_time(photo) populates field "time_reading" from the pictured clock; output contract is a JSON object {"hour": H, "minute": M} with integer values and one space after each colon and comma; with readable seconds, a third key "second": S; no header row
{"hour": 6, "minute": 49}
